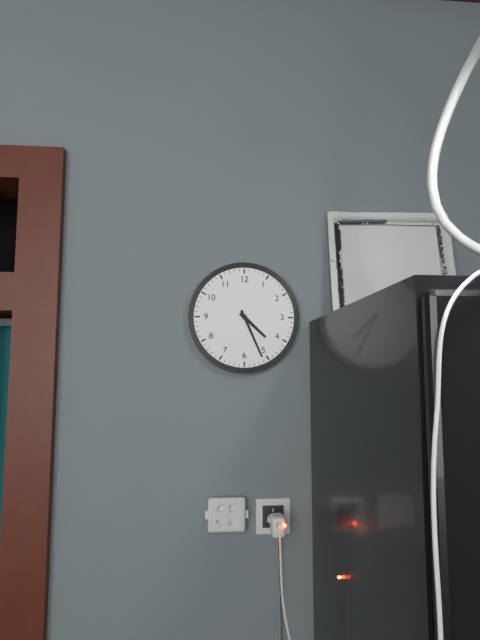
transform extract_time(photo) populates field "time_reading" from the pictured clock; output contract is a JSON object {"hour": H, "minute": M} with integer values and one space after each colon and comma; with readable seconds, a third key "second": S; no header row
{"hour": 4, "minute": 26}
